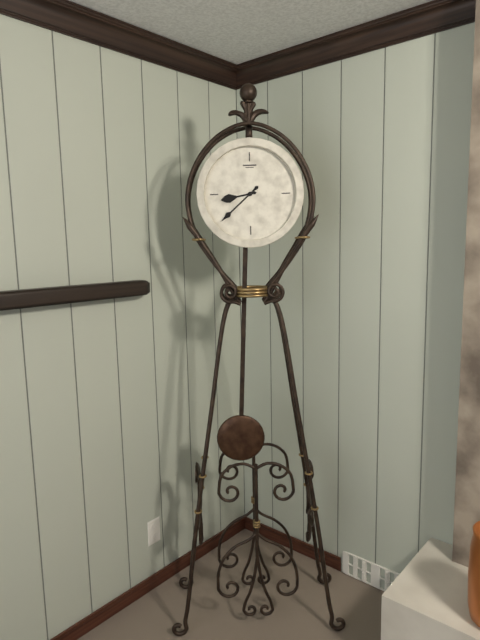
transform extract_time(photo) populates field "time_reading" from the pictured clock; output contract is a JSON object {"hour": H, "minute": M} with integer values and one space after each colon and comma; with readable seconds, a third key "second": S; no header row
{"hour": 8, "minute": 38}
